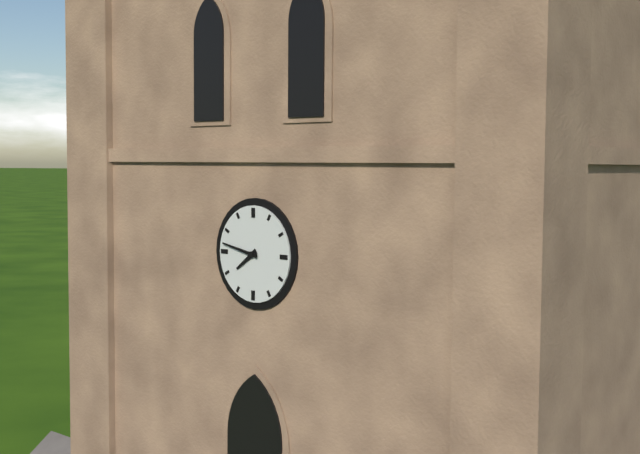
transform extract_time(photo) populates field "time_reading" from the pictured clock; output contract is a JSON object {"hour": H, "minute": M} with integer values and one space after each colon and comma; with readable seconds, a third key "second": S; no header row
{"hour": 7, "minute": 47}
